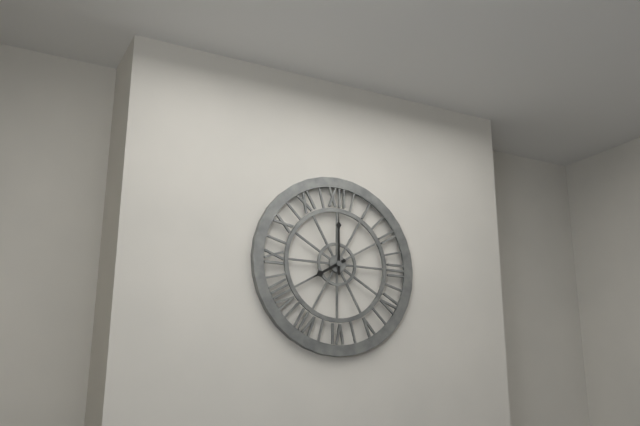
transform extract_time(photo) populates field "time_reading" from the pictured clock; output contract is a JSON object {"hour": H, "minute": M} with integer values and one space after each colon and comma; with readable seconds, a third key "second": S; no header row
{"hour": 8, "minute": 0}
